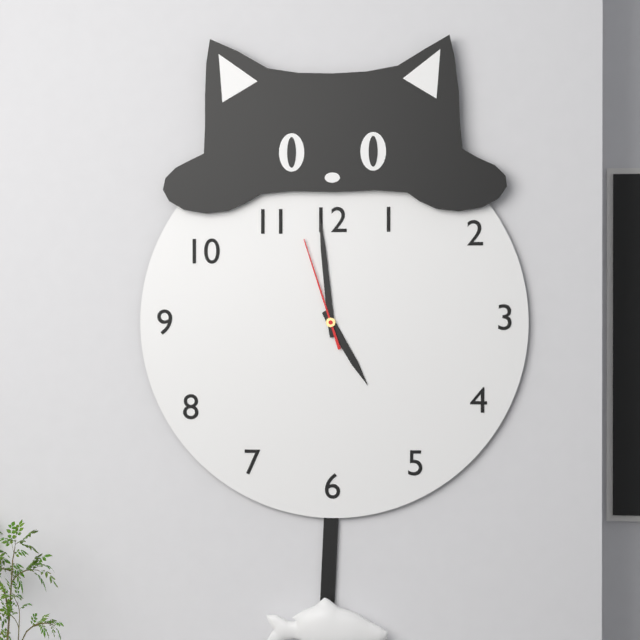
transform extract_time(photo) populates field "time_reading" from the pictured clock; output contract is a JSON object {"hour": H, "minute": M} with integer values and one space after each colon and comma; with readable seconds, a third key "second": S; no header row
{"hour": 4, "minute": 59, "second": 57}
